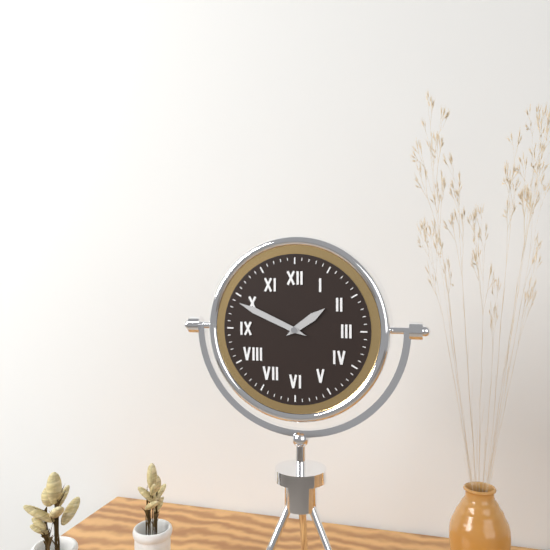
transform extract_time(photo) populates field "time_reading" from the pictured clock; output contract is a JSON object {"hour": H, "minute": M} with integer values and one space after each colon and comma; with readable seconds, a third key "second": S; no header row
{"hour": 1, "minute": 49}
